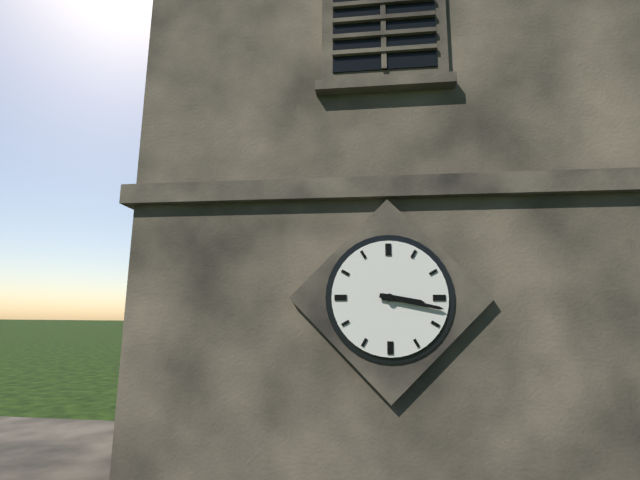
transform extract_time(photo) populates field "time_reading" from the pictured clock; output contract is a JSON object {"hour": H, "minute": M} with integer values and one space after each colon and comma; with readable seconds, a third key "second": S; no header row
{"hour": 3, "minute": 17}
